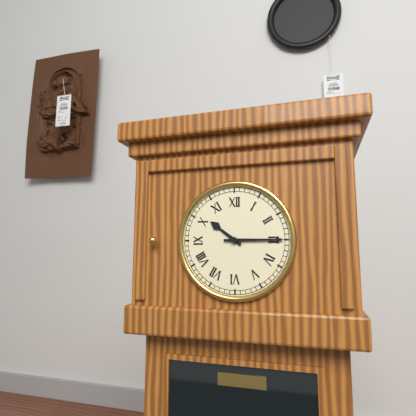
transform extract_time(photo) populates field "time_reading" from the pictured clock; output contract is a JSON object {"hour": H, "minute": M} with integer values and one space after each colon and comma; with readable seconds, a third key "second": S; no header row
{"hour": 10, "minute": 15}
